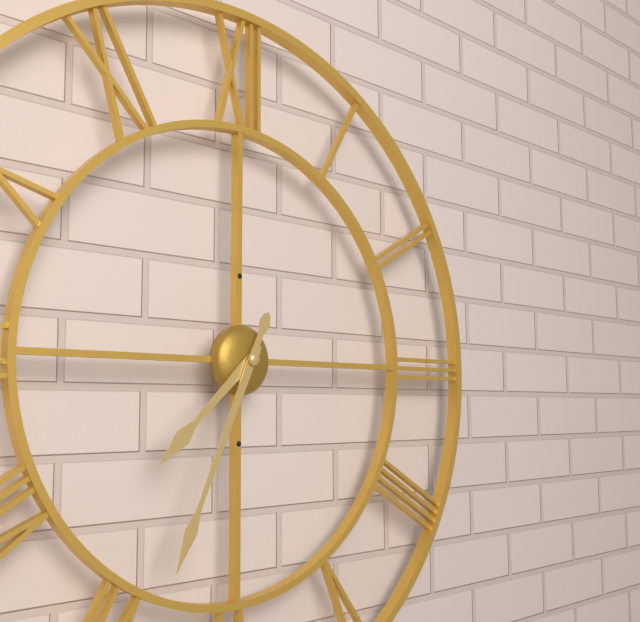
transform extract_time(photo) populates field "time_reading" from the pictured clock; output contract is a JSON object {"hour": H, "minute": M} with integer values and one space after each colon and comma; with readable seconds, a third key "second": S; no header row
{"hour": 7, "minute": 34}
